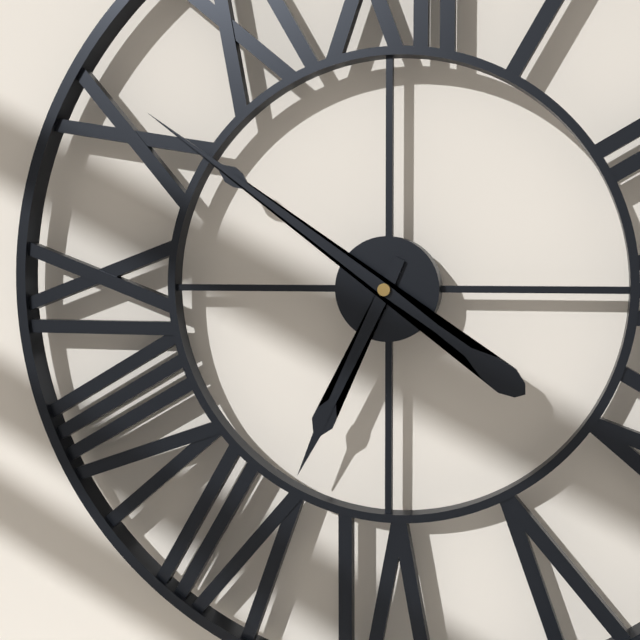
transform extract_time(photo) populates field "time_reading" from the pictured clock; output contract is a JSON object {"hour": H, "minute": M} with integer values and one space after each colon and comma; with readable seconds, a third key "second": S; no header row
{"hour": 6, "minute": 51}
